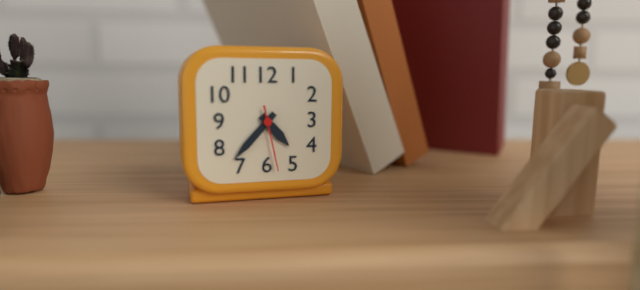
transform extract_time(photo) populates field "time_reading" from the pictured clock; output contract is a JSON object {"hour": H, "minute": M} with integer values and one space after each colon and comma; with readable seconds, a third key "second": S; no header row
{"hour": 4, "minute": 37, "second": 28}
